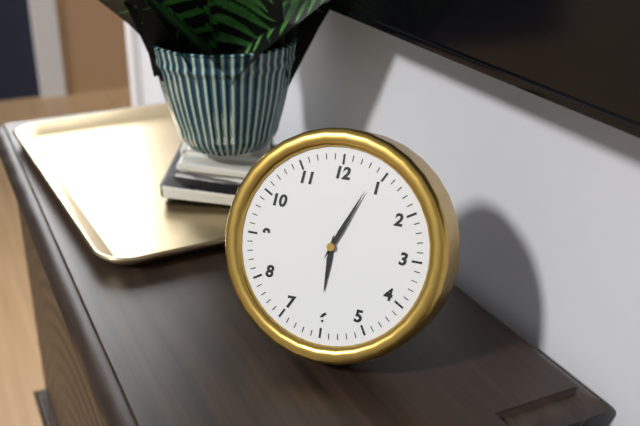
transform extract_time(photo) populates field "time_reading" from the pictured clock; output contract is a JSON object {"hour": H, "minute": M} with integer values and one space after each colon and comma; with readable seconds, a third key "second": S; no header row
{"hour": 6, "minute": 4}
